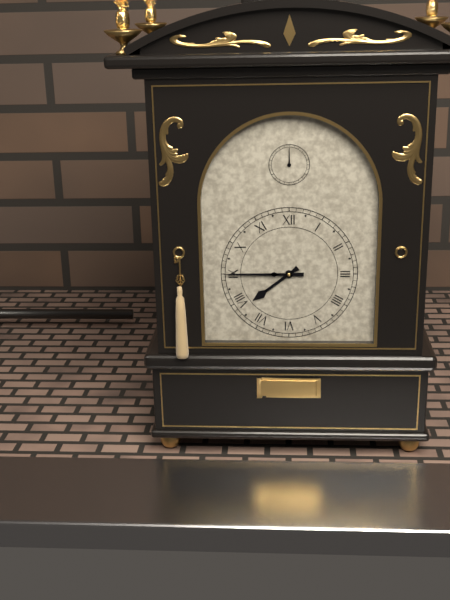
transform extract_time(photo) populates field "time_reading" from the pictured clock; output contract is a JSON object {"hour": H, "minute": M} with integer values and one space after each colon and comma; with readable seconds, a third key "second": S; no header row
{"hour": 7, "minute": 45}
